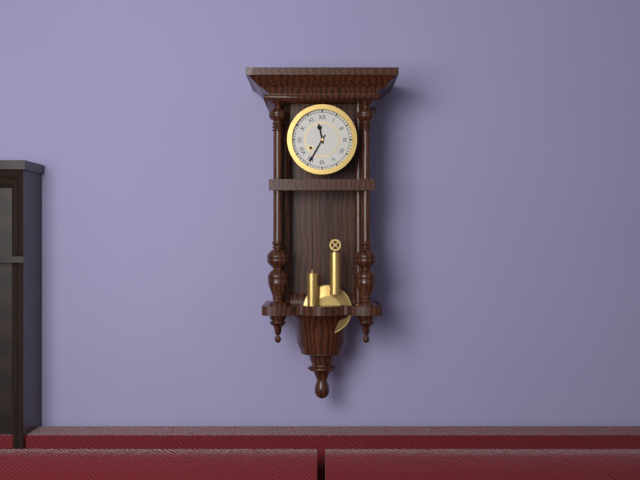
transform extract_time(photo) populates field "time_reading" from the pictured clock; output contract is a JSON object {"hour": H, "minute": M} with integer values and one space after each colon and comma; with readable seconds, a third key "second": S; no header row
{"hour": 11, "minute": 35}
